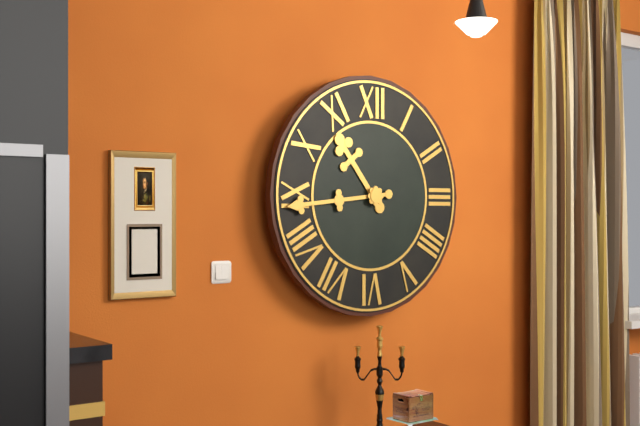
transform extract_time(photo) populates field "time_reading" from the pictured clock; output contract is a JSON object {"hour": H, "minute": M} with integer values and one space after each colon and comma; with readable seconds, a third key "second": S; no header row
{"hour": 10, "minute": 44}
